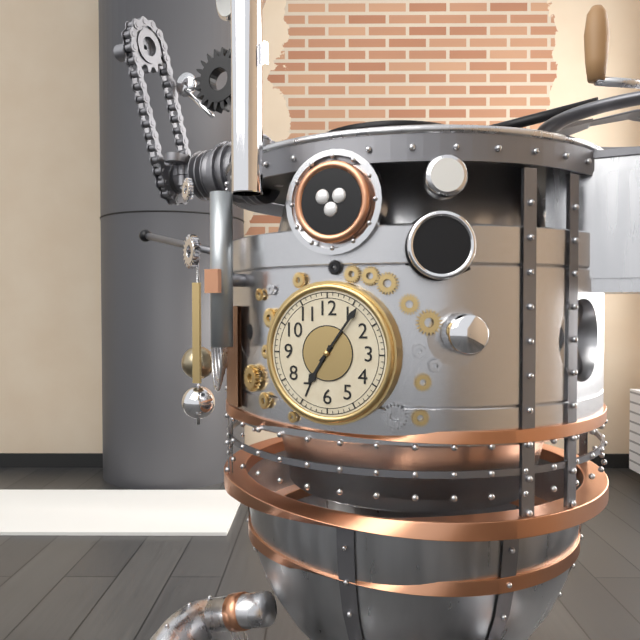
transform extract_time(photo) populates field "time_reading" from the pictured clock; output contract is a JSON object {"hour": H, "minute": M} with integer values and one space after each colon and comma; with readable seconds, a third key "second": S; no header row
{"hour": 7, "minute": 6}
